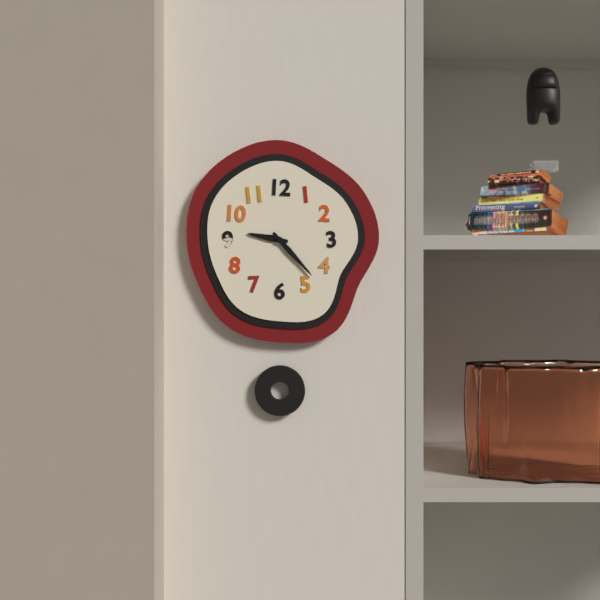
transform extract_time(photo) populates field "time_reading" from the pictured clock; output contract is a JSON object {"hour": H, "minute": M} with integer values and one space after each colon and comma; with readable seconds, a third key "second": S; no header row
{"hour": 9, "minute": 23}
